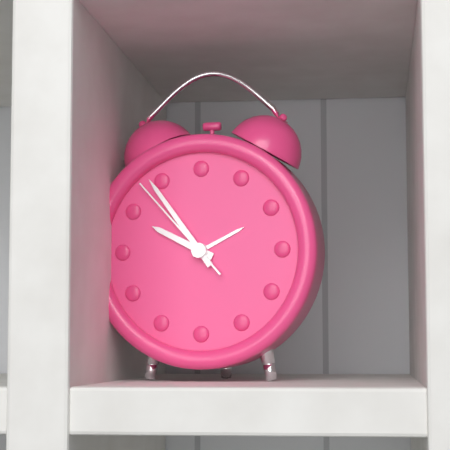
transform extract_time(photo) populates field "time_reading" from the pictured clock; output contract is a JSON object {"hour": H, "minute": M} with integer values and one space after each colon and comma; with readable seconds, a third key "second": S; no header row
{"hour": 9, "minute": 54, "second": 53}
